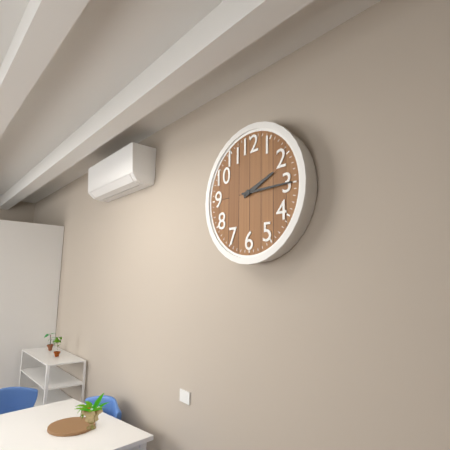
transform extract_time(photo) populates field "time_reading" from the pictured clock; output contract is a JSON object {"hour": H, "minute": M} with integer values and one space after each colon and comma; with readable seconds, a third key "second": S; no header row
{"hour": 2, "minute": 15}
